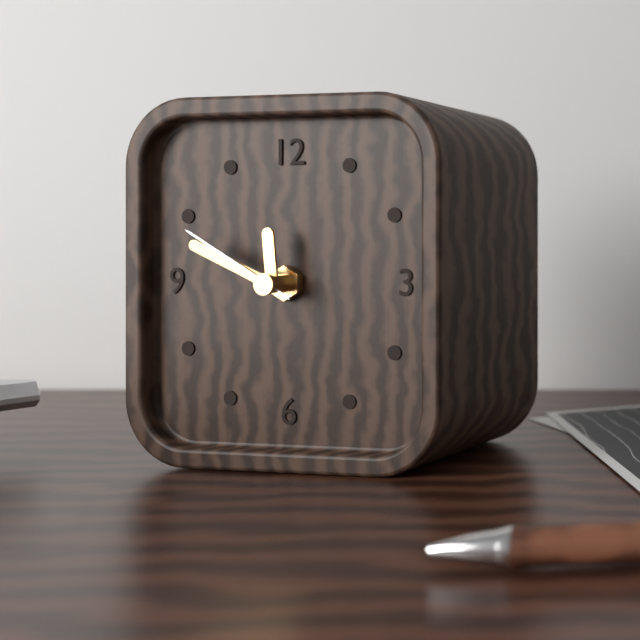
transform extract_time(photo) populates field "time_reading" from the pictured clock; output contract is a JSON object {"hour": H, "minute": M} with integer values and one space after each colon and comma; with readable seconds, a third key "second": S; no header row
{"hour": 11, "minute": 49, "second": 50}
